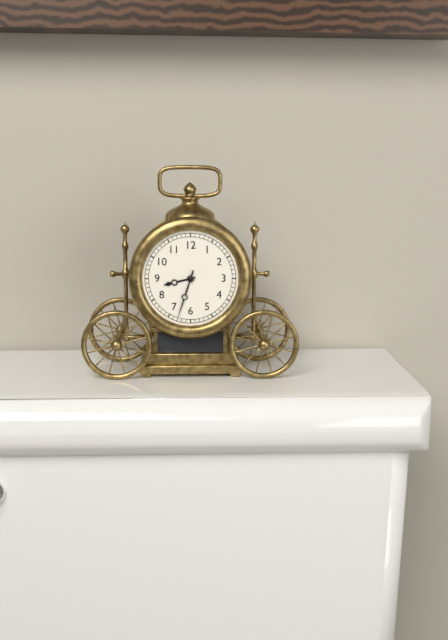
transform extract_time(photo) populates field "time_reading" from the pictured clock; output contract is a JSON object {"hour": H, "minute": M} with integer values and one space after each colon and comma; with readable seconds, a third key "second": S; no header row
{"hour": 8, "minute": 33}
